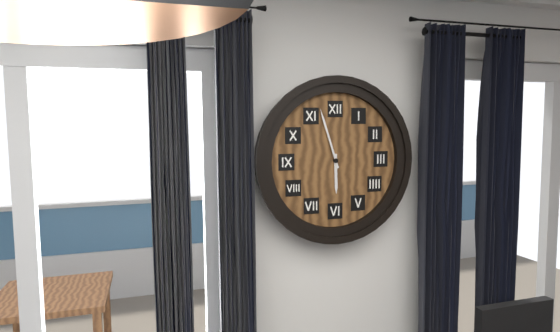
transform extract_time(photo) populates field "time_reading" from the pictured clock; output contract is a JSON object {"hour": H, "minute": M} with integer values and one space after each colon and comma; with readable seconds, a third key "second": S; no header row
{"hour": 5, "minute": 57}
